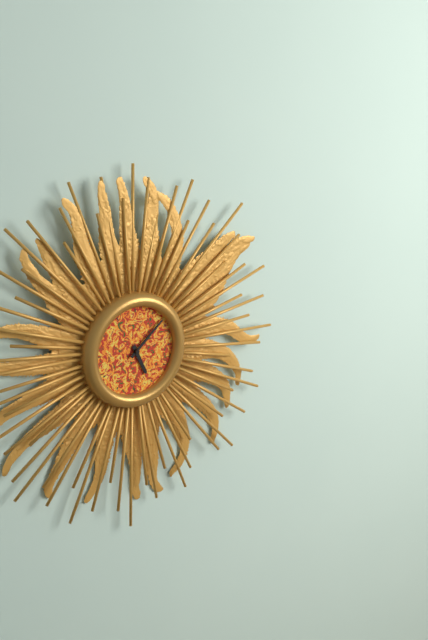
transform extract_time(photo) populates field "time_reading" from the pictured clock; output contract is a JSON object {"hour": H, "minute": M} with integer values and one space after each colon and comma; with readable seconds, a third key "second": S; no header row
{"hour": 5, "minute": 8}
